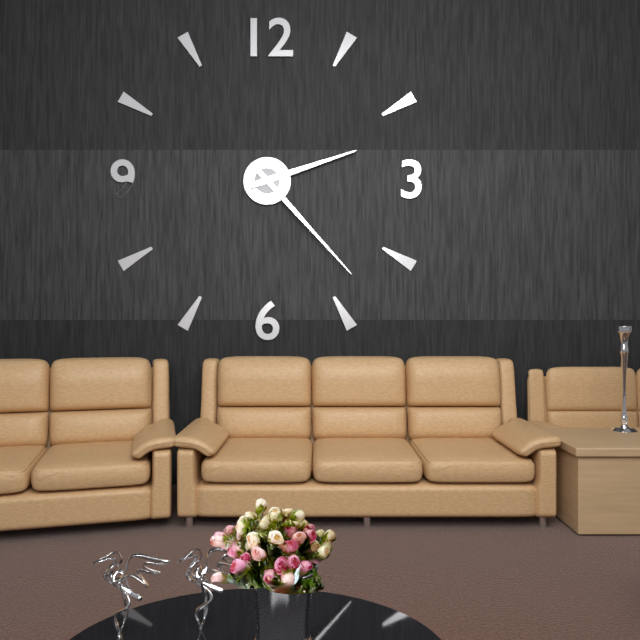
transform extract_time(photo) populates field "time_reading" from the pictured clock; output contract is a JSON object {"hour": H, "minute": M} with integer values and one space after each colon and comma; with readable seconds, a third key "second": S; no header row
{"hour": 2, "minute": 23}
